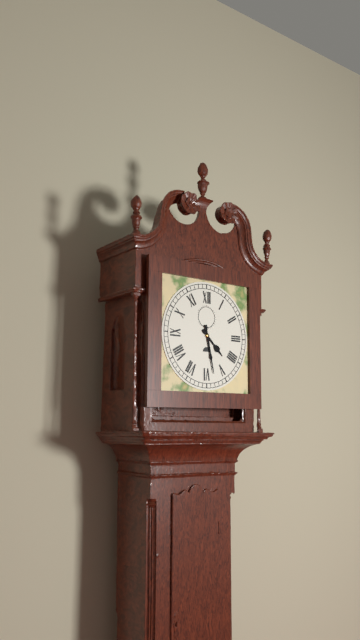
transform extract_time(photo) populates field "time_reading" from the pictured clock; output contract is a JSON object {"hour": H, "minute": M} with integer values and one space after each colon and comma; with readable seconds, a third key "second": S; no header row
{"hour": 4, "minute": 28}
